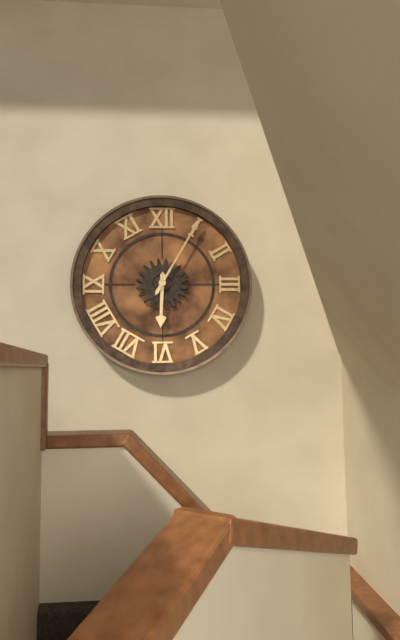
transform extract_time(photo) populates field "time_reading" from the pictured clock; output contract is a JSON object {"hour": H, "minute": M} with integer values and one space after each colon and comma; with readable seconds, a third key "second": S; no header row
{"hour": 6, "minute": 5}
